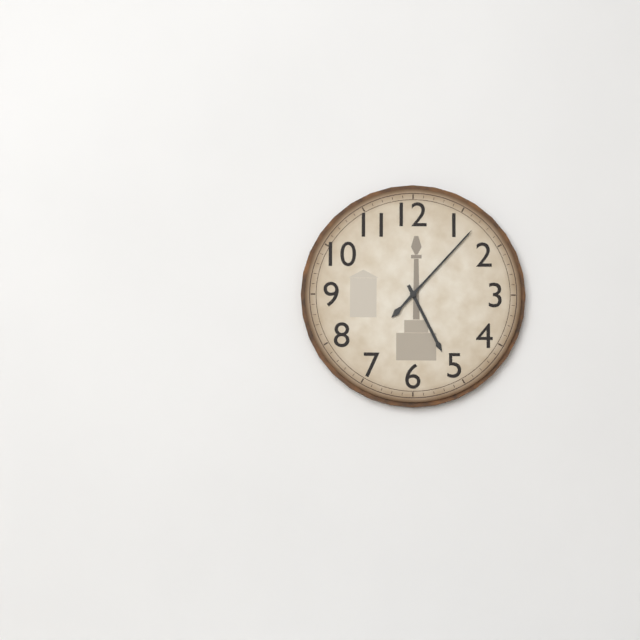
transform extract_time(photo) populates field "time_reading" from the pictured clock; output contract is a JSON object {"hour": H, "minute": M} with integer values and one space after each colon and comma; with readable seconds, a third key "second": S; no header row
{"hour": 5, "minute": 7}
